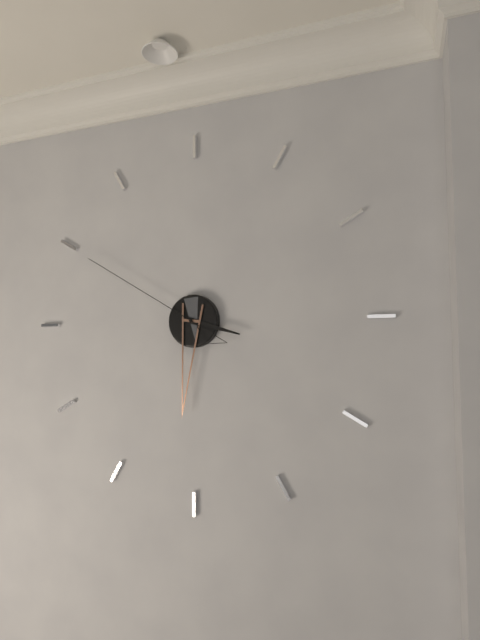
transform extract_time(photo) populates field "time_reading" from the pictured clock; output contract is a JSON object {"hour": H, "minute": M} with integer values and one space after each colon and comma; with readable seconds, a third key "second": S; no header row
{"hour": 3, "minute": 31, "second": 50}
